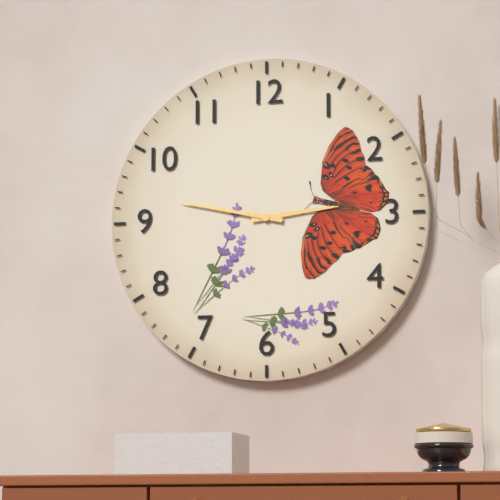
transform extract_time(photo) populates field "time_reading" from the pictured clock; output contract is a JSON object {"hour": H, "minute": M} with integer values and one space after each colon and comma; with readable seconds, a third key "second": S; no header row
{"hour": 2, "minute": 47}
